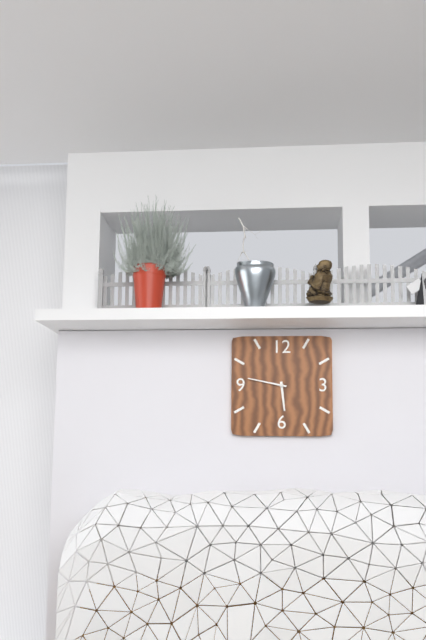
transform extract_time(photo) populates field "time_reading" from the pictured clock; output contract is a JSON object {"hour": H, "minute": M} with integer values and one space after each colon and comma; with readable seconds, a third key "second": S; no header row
{"hour": 5, "minute": 47}
